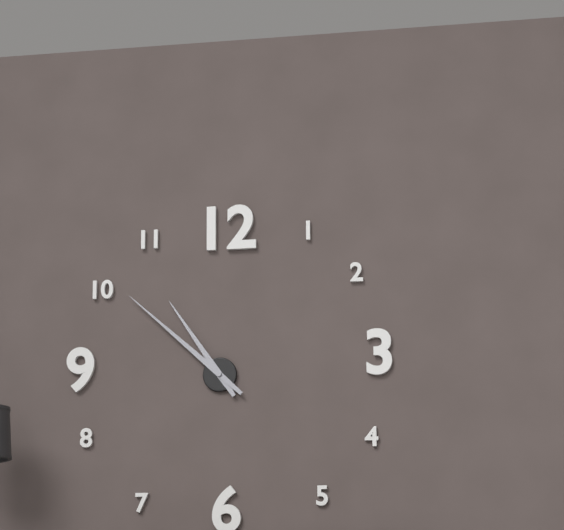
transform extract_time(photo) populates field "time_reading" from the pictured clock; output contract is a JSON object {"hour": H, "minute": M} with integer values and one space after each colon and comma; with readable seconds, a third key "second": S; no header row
{"hour": 10, "minute": 52}
